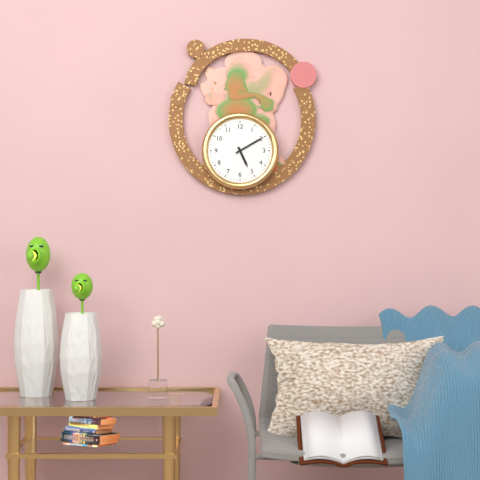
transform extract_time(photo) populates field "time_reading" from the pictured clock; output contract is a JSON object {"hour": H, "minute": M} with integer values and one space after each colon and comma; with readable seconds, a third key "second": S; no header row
{"hour": 5, "minute": 10}
